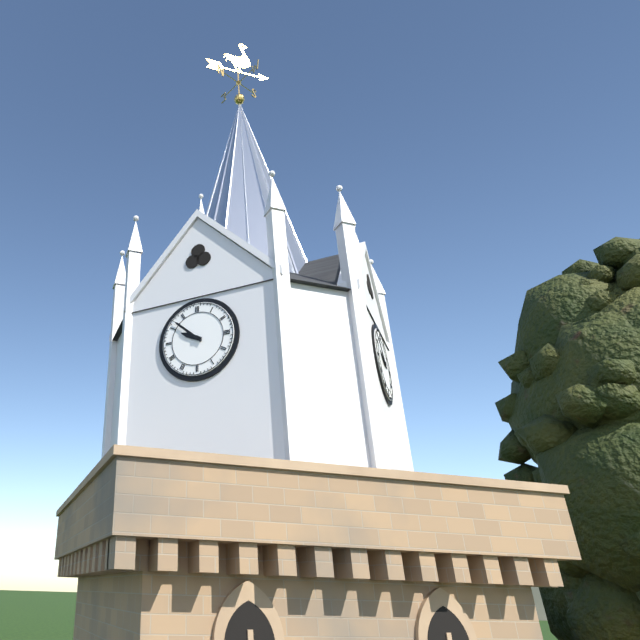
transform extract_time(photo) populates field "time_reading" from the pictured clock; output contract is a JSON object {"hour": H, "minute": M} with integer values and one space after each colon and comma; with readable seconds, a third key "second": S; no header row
{"hour": 9, "minute": 52}
